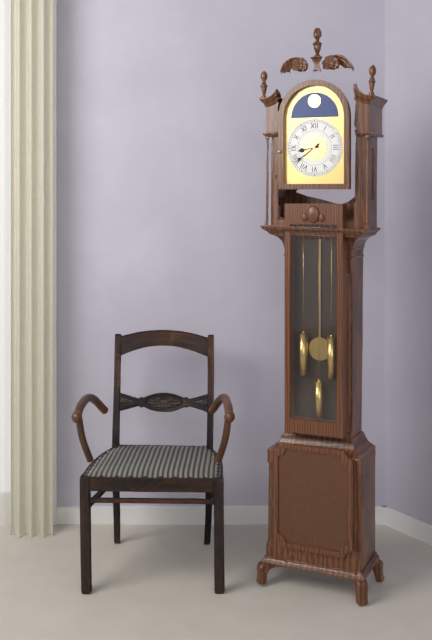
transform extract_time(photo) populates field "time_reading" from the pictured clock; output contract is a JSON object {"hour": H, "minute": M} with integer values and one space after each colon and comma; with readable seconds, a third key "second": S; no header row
{"hour": 8, "minute": 39}
